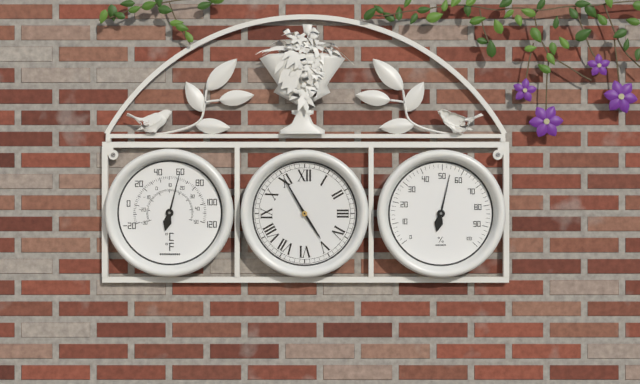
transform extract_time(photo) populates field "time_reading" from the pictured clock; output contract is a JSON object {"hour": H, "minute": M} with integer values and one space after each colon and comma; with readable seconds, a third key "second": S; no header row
{"hour": 4, "minute": 55}
